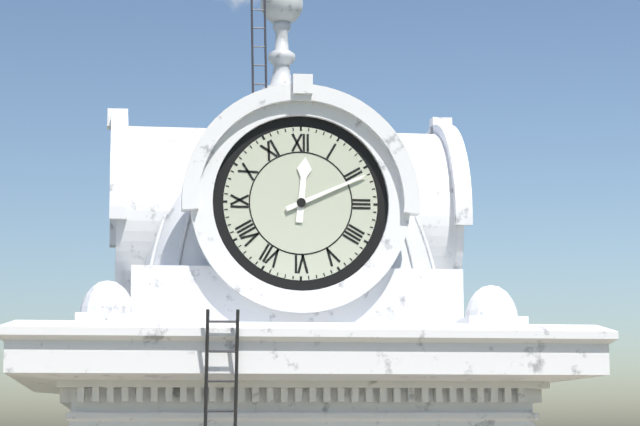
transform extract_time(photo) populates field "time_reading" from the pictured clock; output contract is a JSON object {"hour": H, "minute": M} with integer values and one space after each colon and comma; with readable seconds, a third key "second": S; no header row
{"hour": 12, "minute": 11}
